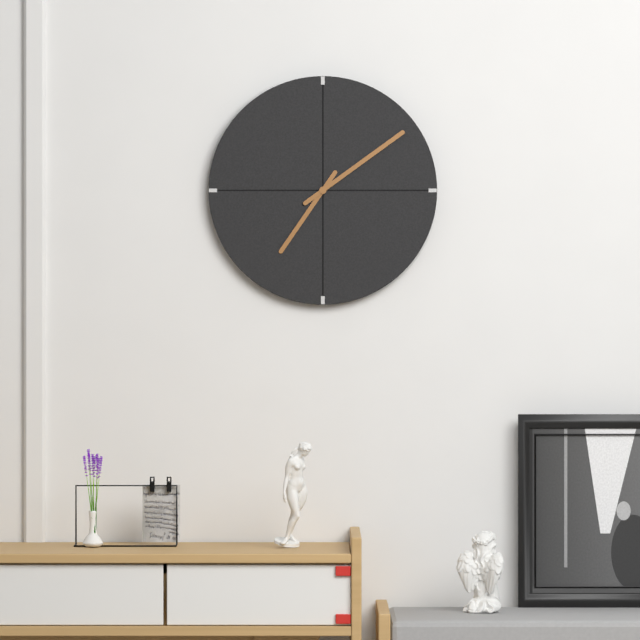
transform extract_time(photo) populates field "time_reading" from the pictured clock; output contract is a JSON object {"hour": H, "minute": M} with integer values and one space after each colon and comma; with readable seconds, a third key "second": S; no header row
{"hour": 7, "minute": 9}
